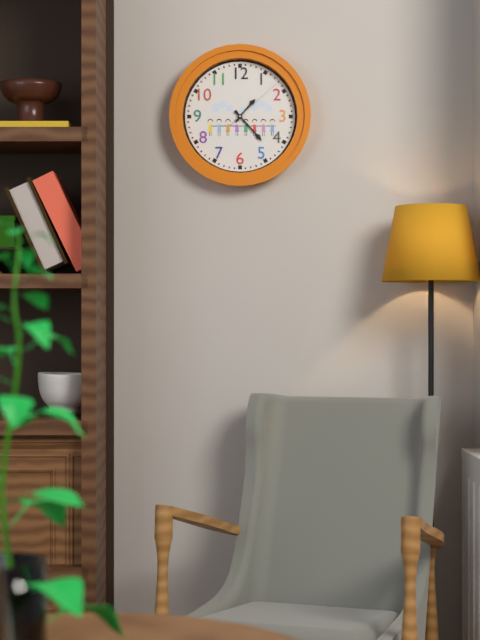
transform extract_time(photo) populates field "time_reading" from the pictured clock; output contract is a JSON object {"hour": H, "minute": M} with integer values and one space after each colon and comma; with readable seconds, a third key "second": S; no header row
{"hour": 1, "minute": 23, "second": 8}
